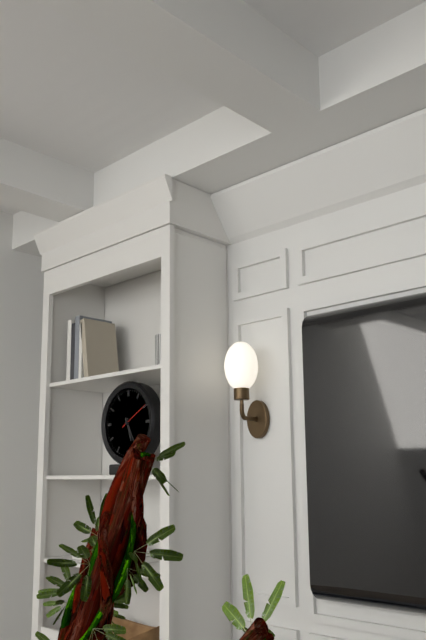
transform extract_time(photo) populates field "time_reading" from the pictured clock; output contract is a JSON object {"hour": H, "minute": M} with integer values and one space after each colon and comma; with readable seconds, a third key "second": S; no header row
{"hour": 5, "minute": 25}
